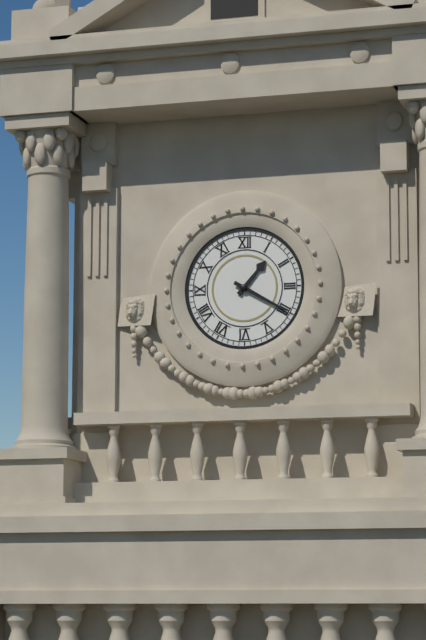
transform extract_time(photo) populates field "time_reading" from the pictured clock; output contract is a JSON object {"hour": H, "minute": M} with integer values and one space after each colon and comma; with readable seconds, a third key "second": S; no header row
{"hour": 1, "minute": 20}
